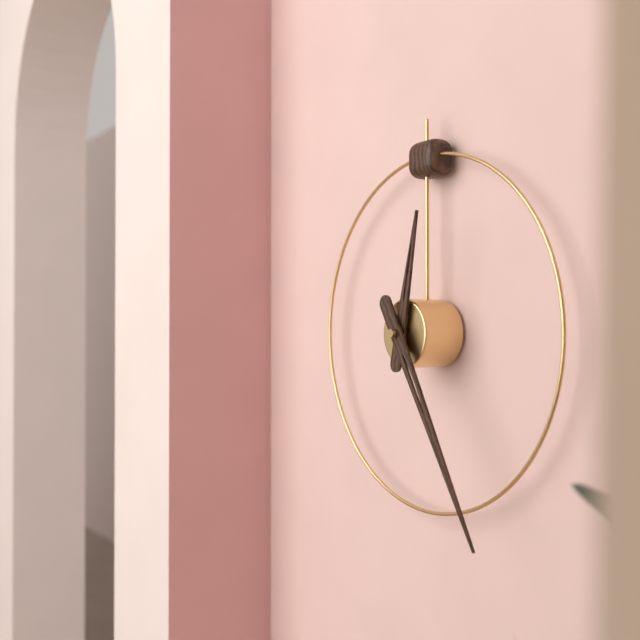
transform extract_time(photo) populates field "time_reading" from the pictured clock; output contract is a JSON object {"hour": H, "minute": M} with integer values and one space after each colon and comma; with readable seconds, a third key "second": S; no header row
{"hour": 12, "minute": 25}
